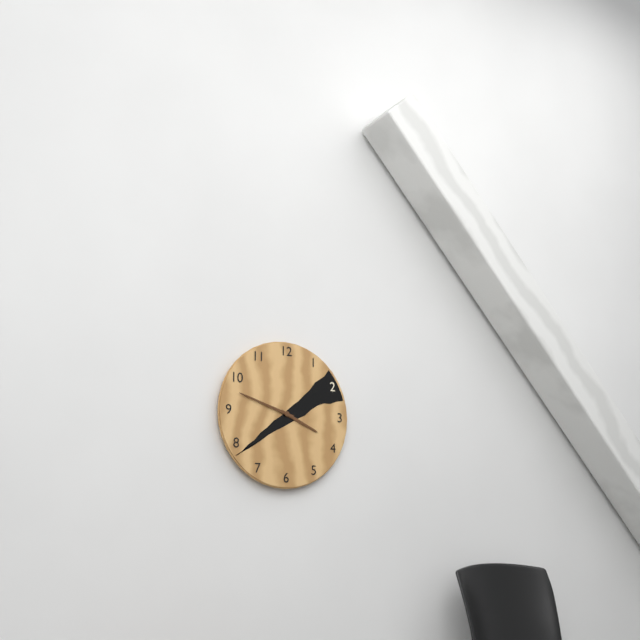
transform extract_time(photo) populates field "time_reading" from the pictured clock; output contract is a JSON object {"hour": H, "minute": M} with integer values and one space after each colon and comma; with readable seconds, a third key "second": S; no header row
{"hour": 3, "minute": 48}
